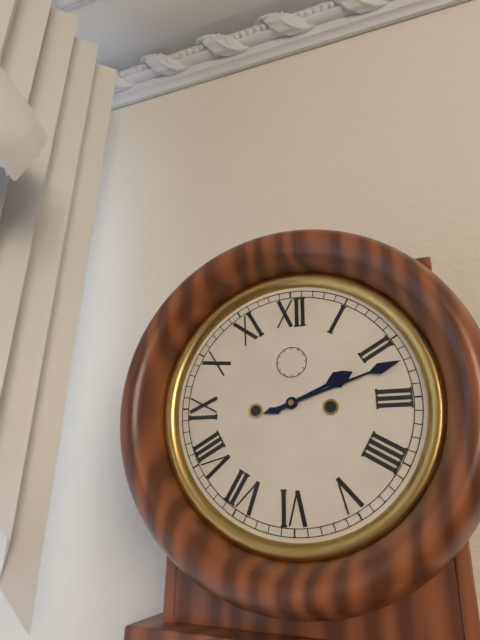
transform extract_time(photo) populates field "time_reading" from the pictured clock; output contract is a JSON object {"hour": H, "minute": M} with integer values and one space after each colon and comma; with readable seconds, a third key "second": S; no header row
{"hour": 2, "minute": 12}
